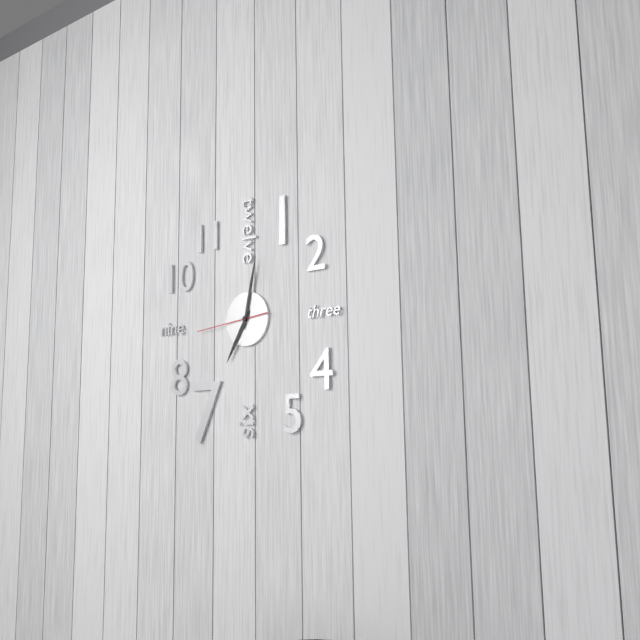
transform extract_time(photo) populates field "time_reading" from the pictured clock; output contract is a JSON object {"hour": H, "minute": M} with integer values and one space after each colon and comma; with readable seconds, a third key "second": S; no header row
{"hour": 7, "minute": 2, "second": 44}
